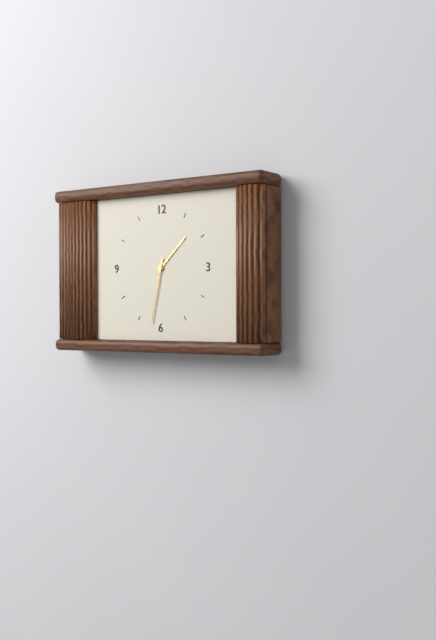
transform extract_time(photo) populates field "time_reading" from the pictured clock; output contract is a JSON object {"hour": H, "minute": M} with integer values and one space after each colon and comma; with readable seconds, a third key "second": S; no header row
{"hour": 1, "minute": 32}
